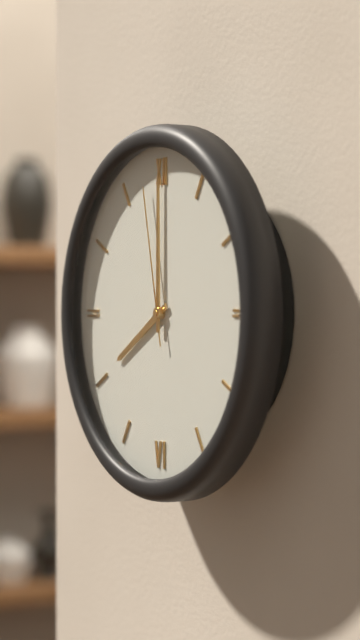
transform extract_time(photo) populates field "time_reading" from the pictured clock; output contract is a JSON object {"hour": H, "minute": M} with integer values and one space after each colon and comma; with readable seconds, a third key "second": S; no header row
{"hour": 8, "minute": 0, "second": 58}
